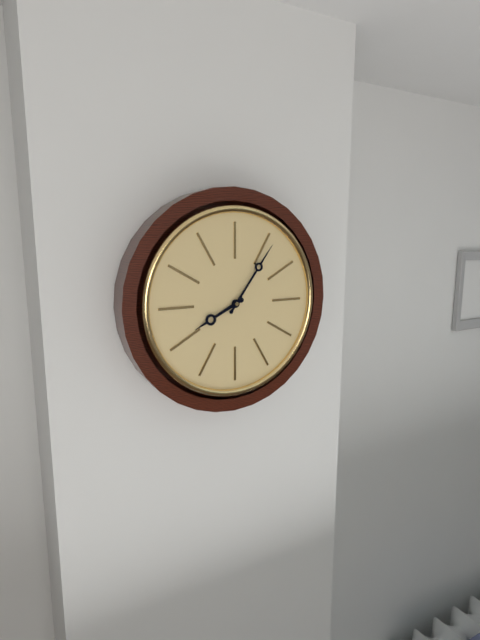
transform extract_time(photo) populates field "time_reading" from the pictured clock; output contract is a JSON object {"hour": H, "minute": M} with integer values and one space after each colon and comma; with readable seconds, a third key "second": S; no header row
{"hour": 8, "minute": 6}
